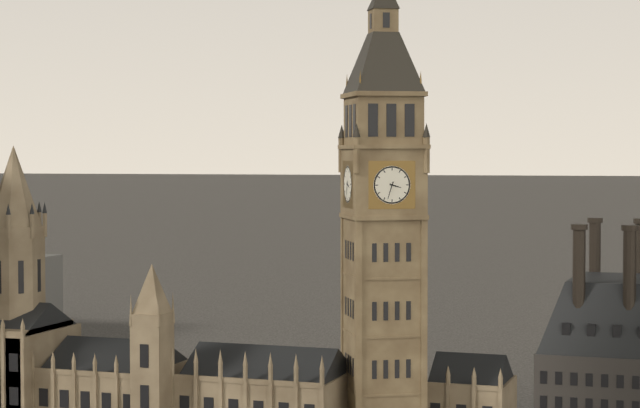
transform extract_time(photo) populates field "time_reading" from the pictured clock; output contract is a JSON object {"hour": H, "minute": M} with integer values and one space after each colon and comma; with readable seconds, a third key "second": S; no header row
{"hour": 3, "minute": 33}
